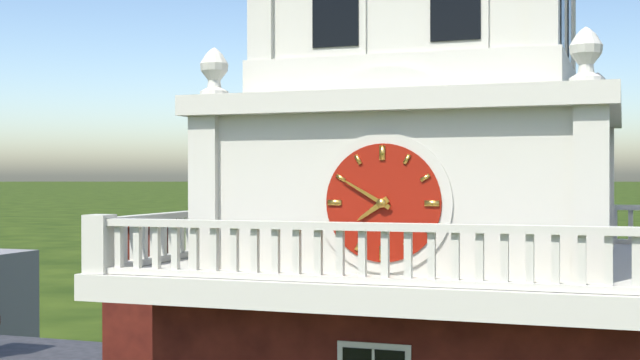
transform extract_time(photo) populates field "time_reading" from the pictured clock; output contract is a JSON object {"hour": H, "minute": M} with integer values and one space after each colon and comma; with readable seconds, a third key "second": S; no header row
{"hour": 7, "minute": 50}
